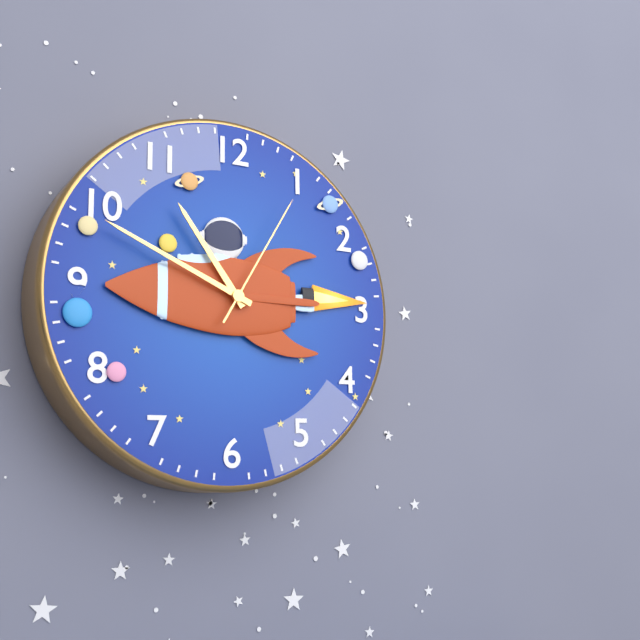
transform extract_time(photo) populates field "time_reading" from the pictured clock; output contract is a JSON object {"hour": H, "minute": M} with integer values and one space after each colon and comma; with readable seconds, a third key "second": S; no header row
{"hour": 10, "minute": 49, "second": 5}
